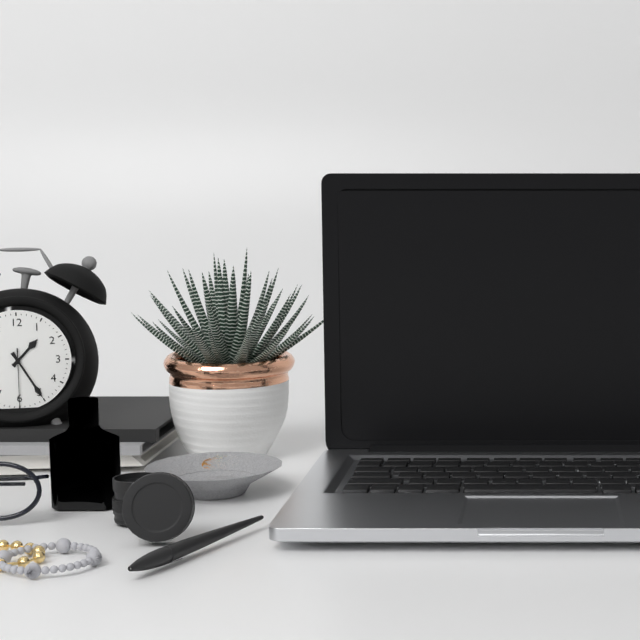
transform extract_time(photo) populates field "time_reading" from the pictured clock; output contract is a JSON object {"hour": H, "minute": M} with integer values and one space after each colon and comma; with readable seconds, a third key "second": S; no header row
{"hour": 1, "minute": 25, "second": 30}
